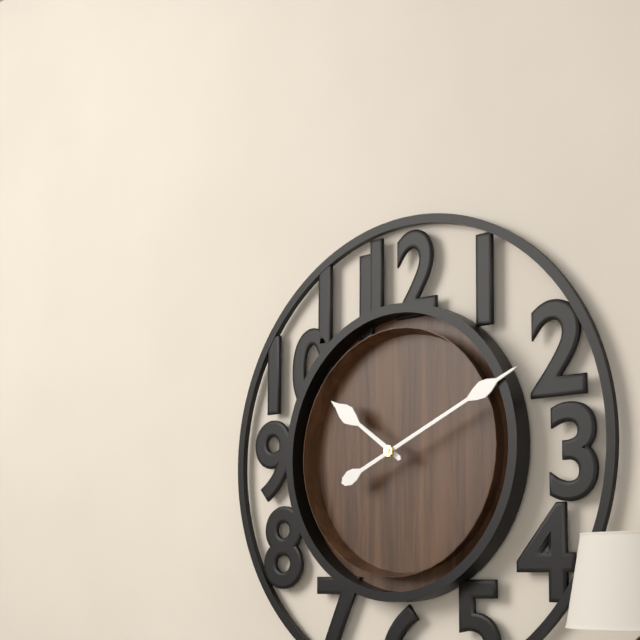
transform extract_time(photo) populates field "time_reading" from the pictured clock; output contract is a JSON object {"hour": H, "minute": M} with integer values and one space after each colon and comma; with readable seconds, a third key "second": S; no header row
{"hour": 10, "minute": 11}
